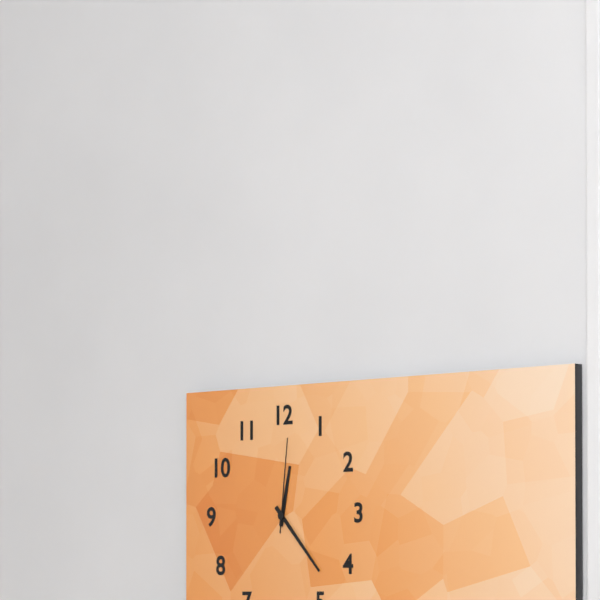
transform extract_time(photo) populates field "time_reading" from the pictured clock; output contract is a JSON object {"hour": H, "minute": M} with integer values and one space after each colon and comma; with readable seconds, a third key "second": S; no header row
{"hour": 12, "minute": 23, "second": 1}
